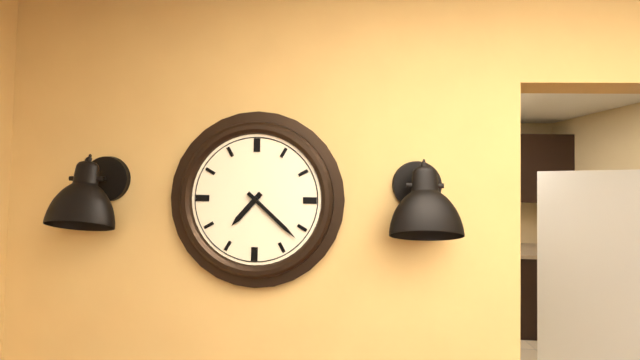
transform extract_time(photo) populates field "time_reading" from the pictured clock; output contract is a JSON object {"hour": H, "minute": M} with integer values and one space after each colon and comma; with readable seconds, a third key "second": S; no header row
{"hour": 7, "minute": 22}
